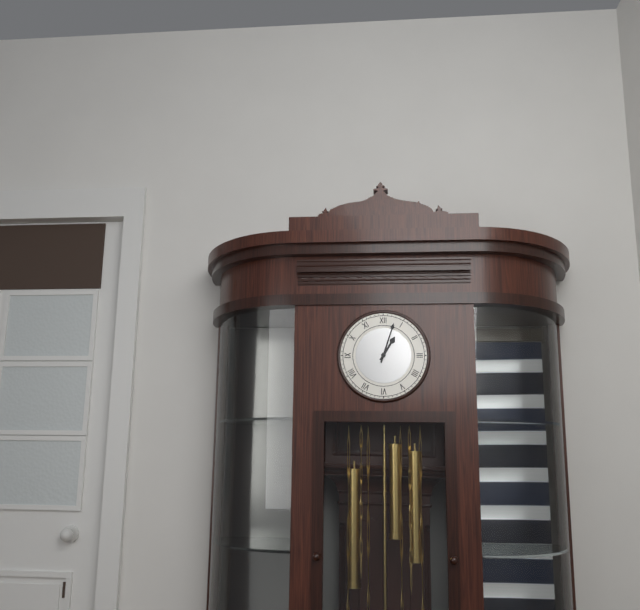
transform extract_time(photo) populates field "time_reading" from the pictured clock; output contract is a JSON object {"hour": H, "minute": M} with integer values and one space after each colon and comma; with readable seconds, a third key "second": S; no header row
{"hour": 1, "minute": 3}
